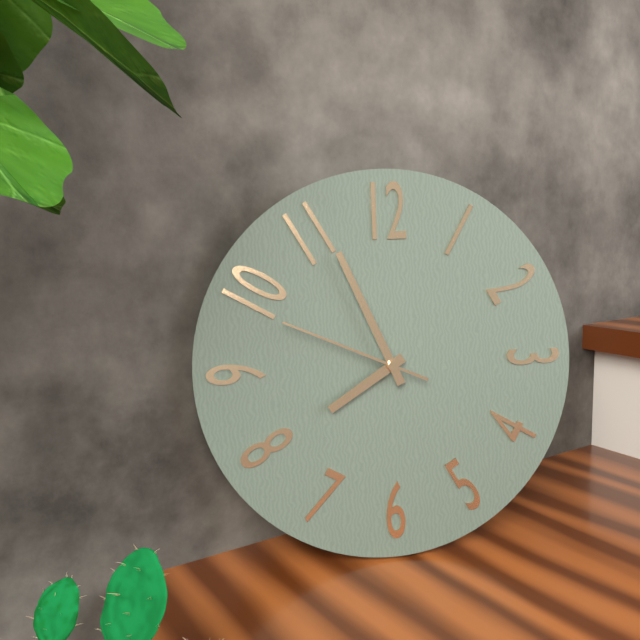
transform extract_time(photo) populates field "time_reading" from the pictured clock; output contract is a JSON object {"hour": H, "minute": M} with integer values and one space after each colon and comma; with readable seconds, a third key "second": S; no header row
{"hour": 7, "minute": 56, "second": 49}
